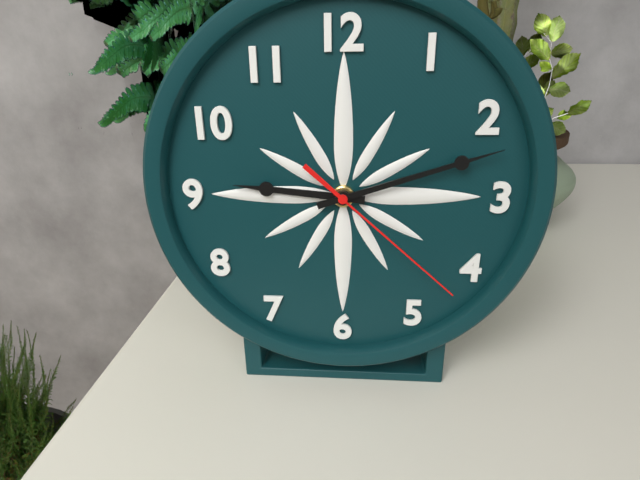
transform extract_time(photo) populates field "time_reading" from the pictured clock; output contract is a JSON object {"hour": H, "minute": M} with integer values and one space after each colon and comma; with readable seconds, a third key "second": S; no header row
{"hour": 9, "minute": 12, "second": 22}
